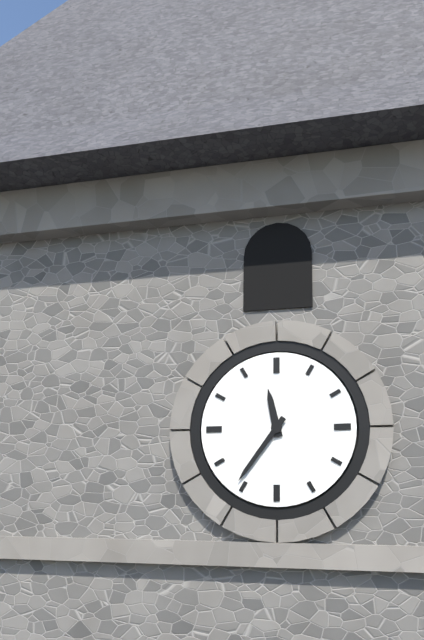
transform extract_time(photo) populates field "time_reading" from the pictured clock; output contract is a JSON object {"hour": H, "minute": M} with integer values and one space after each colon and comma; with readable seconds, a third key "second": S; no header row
{"hour": 11, "minute": 36}
